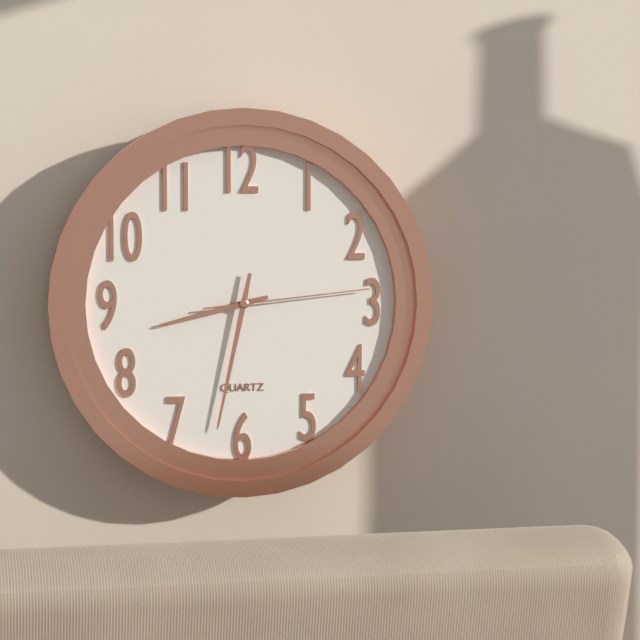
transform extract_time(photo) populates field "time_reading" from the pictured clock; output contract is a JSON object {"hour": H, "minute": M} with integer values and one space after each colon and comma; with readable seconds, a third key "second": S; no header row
{"hour": 8, "minute": 32, "second": 14}
